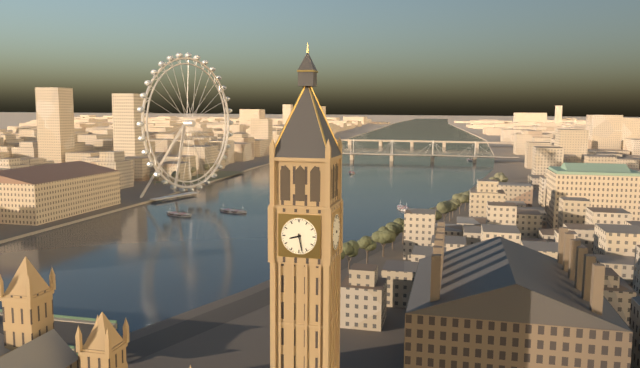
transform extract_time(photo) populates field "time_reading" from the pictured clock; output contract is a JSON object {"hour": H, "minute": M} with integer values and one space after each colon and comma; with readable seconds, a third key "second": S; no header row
{"hour": 8, "minute": 28}
